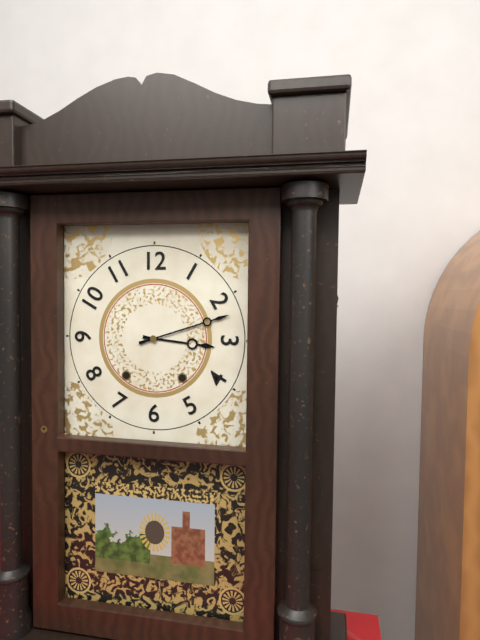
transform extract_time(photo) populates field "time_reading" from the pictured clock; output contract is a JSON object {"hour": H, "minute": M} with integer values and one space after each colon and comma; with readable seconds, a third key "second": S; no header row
{"hour": 3, "minute": 12}
